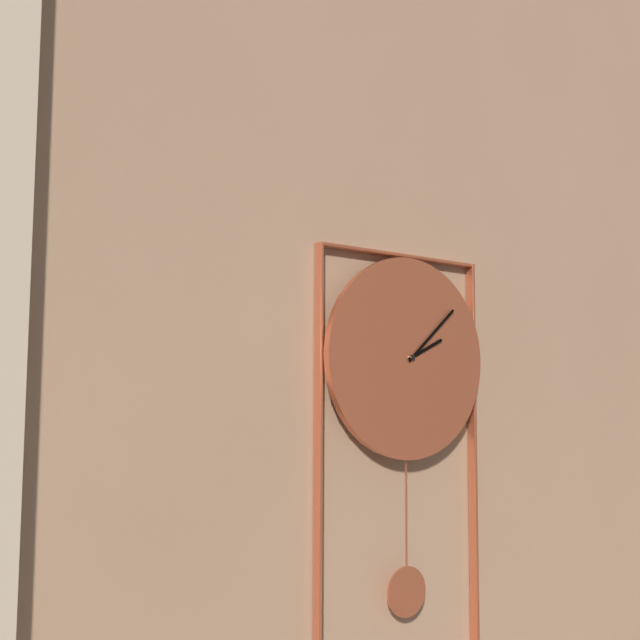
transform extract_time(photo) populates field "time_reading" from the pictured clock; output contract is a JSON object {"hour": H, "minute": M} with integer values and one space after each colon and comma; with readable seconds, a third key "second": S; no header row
{"hour": 2, "minute": 8}
